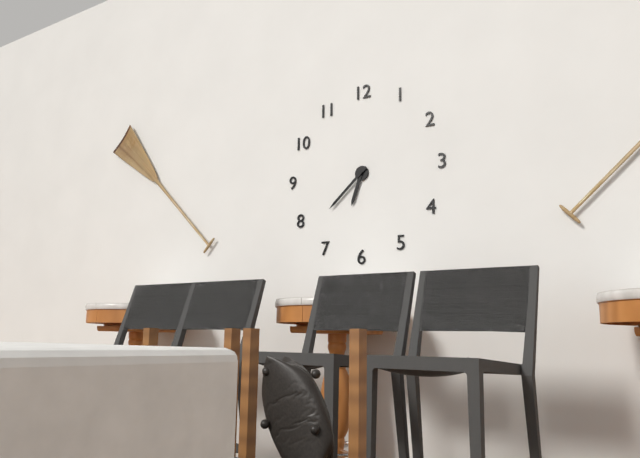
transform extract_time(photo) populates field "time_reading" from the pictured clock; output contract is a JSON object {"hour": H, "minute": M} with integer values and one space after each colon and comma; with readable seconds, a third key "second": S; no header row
{"hour": 6, "minute": 38}
